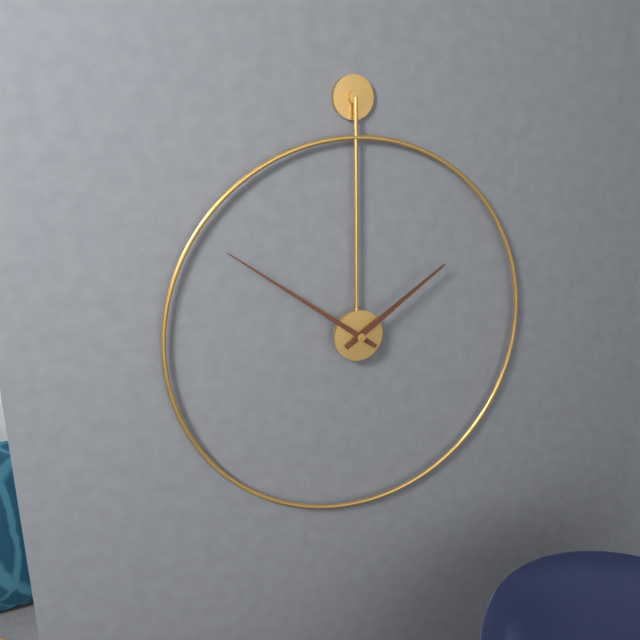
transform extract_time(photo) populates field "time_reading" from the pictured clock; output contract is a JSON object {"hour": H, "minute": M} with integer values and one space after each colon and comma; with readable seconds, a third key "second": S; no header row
{"hour": 1, "minute": 51}
